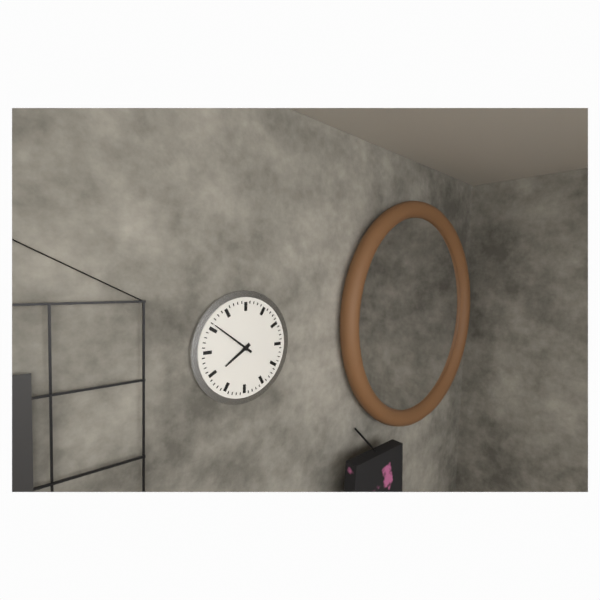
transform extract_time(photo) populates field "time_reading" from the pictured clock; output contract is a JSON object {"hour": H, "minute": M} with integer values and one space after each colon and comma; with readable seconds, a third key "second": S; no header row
{"hour": 7, "minute": 51}
